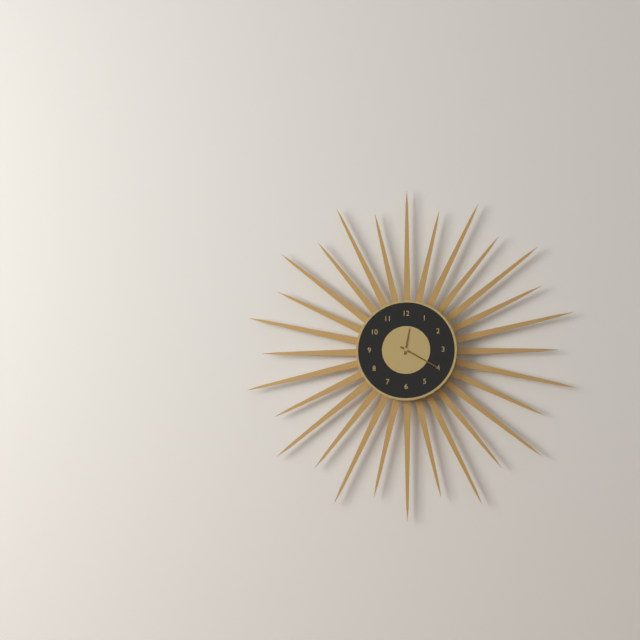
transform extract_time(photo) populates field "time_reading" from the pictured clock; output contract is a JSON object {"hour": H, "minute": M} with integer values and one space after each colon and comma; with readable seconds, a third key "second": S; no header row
{"hour": 12, "minute": 20}
